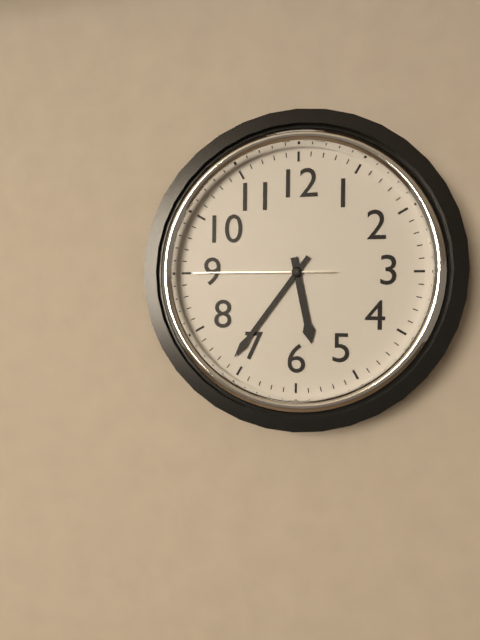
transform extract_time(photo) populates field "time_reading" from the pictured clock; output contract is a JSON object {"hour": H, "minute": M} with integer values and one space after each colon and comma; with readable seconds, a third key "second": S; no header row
{"hour": 5, "minute": 36, "second": 45}
